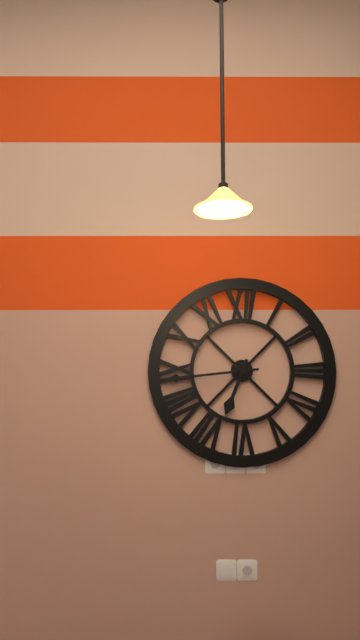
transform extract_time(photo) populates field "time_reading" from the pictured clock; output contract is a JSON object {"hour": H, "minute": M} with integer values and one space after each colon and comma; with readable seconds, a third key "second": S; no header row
{"hour": 6, "minute": 44}
